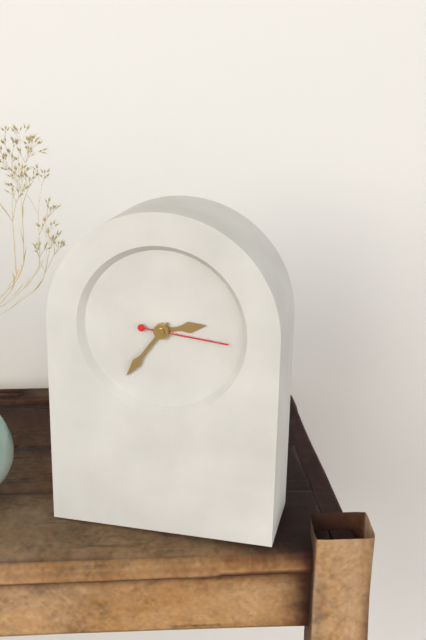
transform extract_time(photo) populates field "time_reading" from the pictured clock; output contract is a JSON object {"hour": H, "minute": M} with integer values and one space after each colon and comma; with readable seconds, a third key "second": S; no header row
{"hour": 2, "minute": 36, "second": 16}
